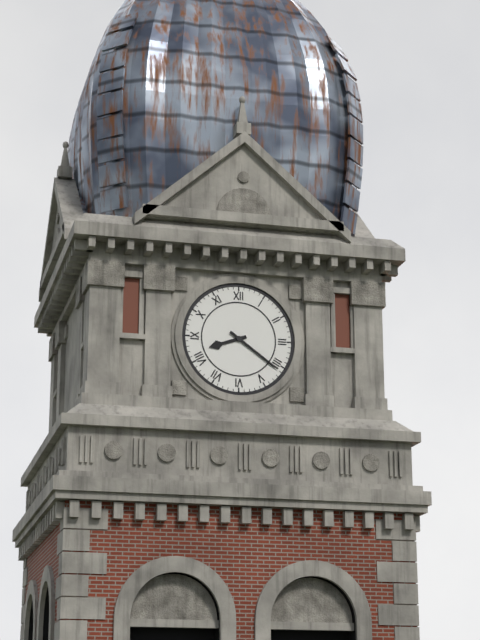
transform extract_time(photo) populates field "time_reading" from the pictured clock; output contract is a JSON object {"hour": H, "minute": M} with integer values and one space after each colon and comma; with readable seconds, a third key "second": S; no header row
{"hour": 8, "minute": 21}
